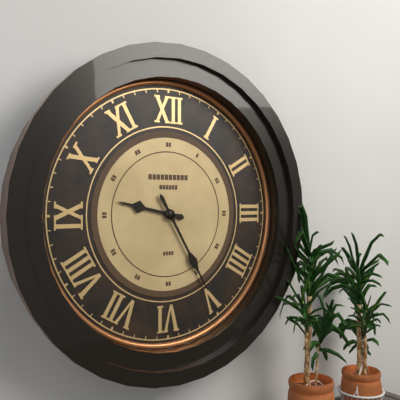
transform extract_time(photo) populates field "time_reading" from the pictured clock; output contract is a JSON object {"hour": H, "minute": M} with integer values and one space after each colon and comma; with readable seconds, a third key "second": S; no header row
{"hour": 9, "minute": 25}
